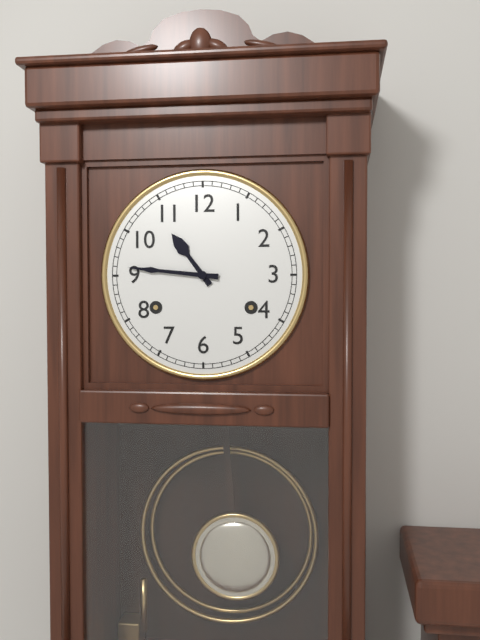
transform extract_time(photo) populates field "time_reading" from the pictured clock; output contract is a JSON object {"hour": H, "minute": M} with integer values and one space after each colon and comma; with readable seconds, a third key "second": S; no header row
{"hour": 10, "minute": 46}
